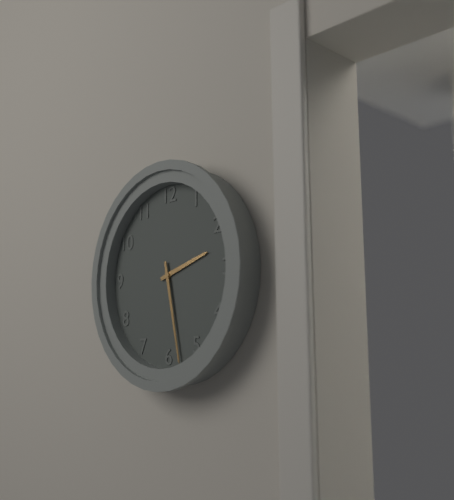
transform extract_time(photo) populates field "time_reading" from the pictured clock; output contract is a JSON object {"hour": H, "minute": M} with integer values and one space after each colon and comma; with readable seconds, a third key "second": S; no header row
{"hour": 2, "minute": 28}
